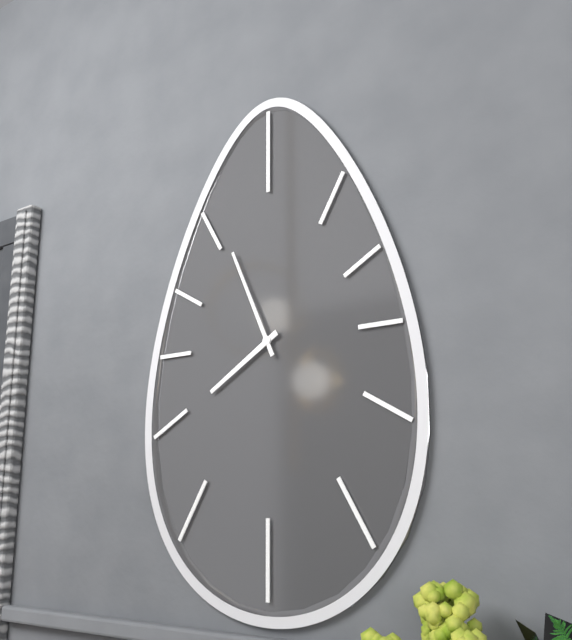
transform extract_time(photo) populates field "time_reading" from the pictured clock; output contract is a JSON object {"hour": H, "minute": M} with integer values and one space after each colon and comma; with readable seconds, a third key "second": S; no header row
{"hour": 7, "minute": 56}
